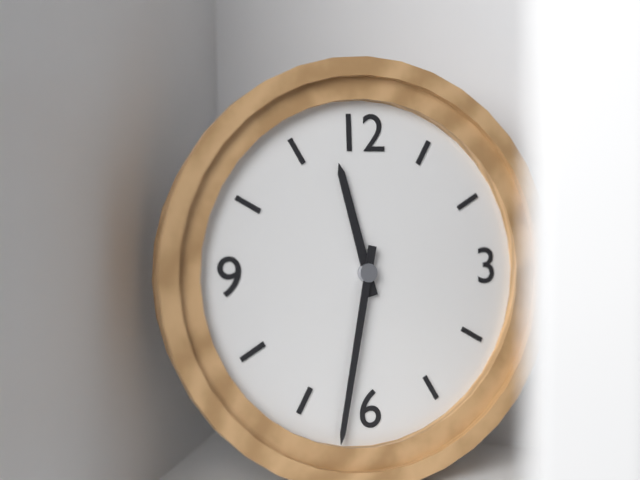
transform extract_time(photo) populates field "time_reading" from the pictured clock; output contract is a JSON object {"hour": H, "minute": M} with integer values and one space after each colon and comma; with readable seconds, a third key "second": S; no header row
{"hour": 11, "minute": 32}
